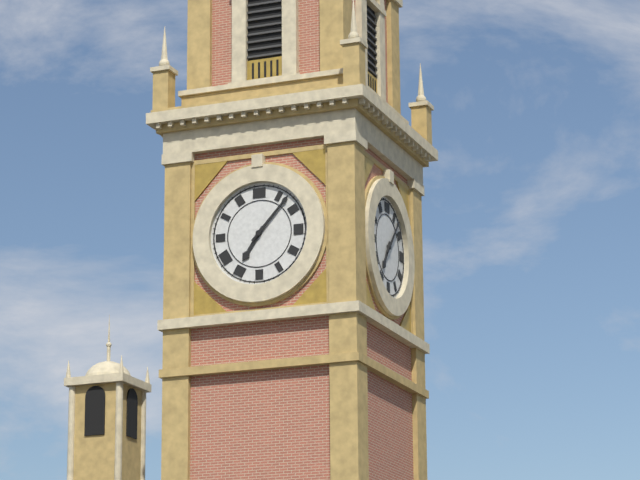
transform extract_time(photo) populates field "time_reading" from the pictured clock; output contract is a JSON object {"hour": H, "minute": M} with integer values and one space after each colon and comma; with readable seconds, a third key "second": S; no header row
{"hour": 7, "minute": 7}
